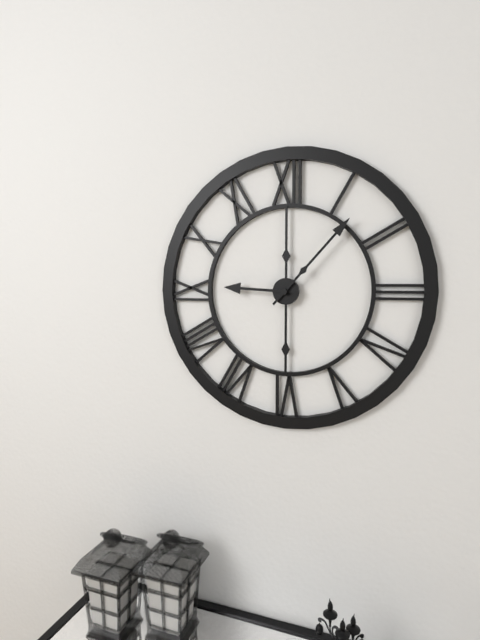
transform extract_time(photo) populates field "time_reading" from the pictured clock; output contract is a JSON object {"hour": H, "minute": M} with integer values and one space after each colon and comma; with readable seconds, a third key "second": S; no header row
{"hour": 9, "minute": 7}
